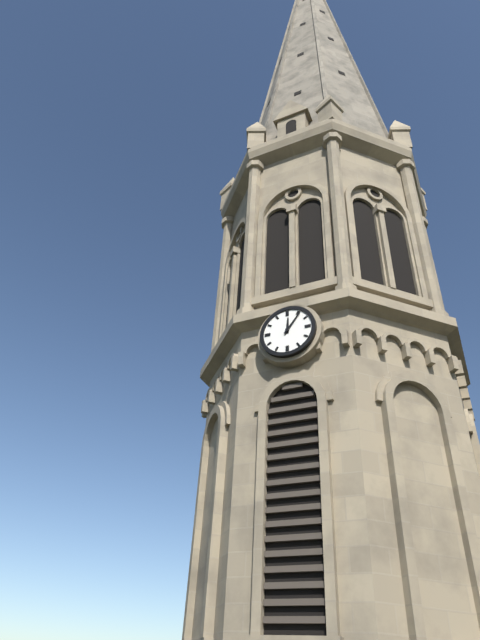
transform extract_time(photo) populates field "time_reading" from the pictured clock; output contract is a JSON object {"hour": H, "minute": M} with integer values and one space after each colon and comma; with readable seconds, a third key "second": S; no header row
{"hour": 12, "minute": 6}
